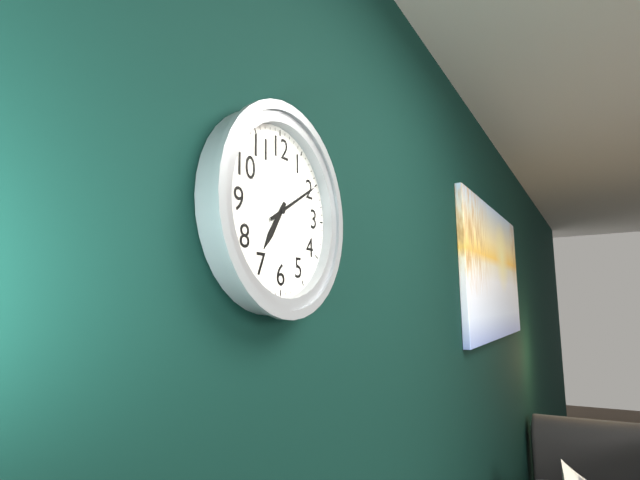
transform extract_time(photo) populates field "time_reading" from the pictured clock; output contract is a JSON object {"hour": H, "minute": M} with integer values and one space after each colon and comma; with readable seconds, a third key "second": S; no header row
{"hour": 7, "minute": 10}
